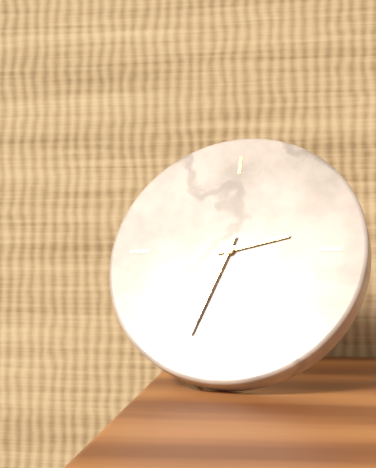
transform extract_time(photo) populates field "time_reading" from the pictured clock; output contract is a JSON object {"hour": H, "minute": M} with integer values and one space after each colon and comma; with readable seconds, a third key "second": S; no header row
{"hour": 2, "minute": 33}
